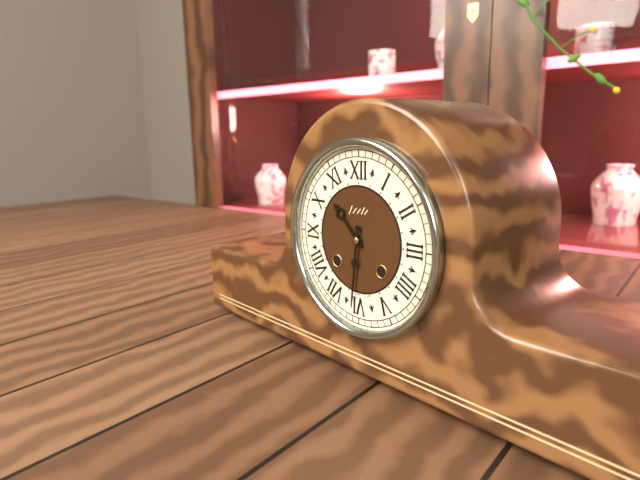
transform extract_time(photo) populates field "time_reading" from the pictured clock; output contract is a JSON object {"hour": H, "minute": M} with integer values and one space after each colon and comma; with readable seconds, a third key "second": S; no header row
{"hour": 10, "minute": 31}
